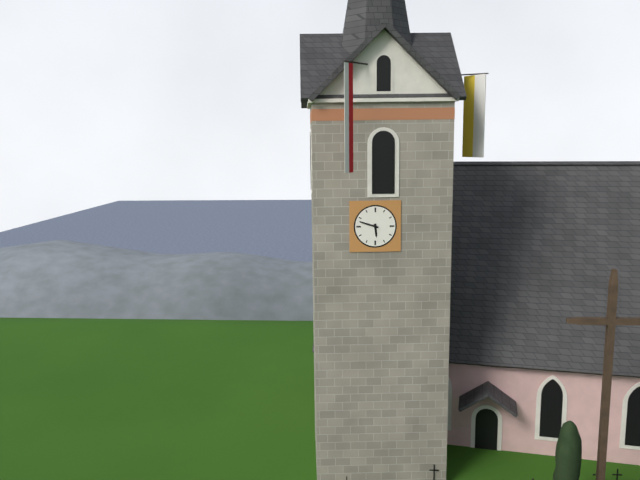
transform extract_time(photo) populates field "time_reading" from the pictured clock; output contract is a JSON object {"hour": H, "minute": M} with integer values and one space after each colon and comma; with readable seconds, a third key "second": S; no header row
{"hour": 5, "minute": 48}
